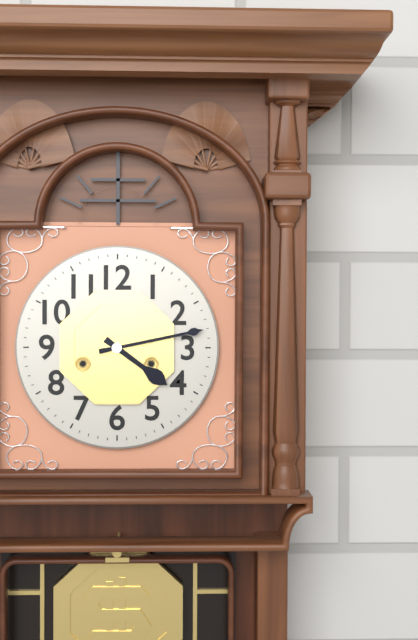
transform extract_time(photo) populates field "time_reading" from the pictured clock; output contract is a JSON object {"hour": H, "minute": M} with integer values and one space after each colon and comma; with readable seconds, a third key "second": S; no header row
{"hour": 4, "minute": 13}
